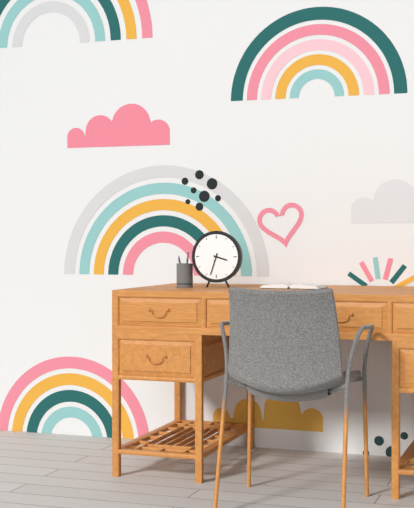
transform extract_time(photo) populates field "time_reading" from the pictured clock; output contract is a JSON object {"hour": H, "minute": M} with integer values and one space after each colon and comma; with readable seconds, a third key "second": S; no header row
{"hour": 3, "minute": 33}
